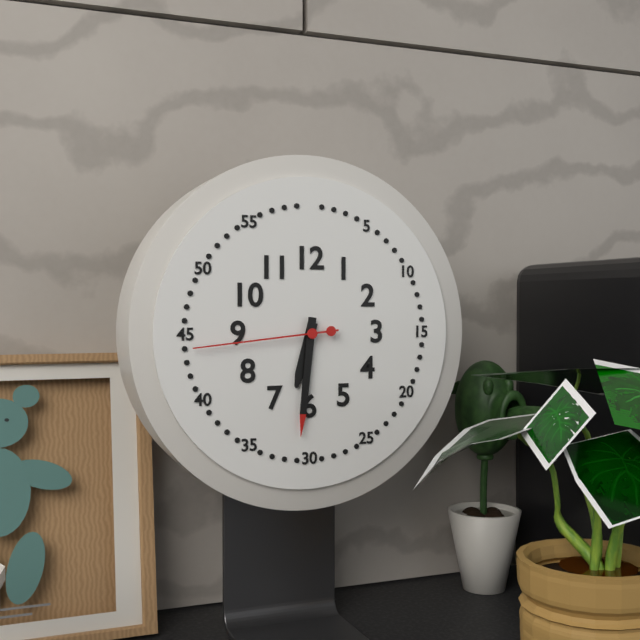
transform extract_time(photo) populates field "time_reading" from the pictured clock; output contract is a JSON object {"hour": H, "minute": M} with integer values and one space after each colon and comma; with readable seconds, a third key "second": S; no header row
{"hour": 6, "minute": 31, "second": 44}
